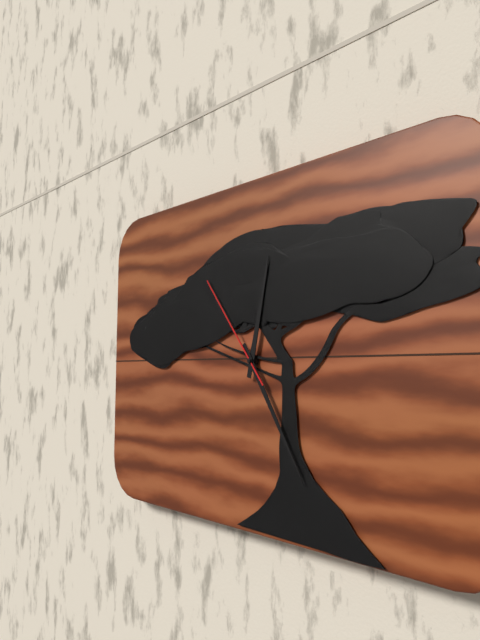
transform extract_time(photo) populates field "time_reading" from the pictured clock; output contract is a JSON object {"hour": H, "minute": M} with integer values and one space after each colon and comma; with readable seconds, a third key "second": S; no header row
{"hour": 12, "minute": 25, "second": 54}
